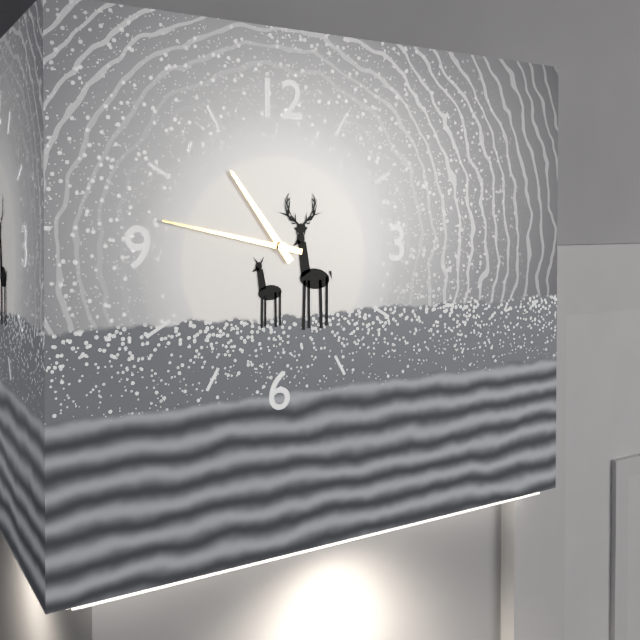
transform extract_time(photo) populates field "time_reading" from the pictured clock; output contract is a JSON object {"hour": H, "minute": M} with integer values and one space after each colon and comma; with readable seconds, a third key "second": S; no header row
{"hour": 10, "minute": 47}
